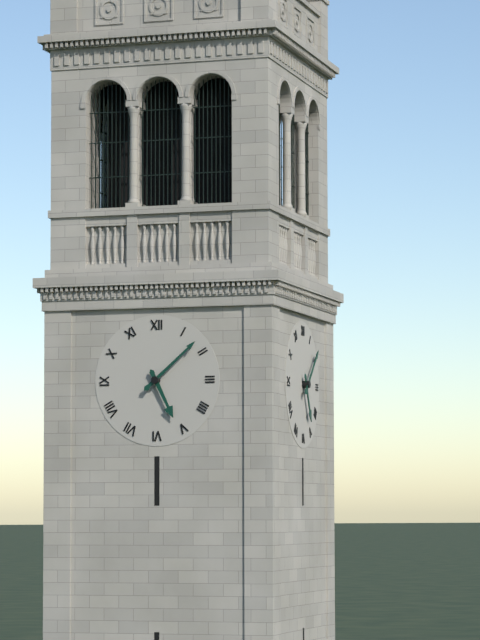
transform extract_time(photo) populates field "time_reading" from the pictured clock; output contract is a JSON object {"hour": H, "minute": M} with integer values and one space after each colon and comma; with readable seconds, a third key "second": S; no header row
{"hour": 5, "minute": 8}
